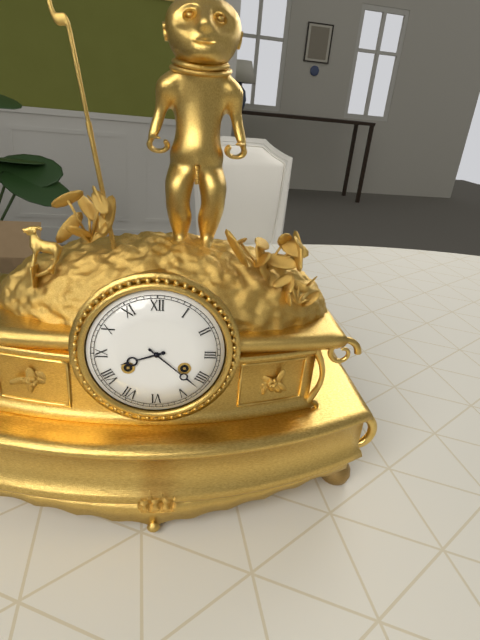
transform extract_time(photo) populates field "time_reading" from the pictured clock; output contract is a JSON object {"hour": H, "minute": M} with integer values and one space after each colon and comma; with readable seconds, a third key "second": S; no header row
{"hour": 8, "minute": 22}
